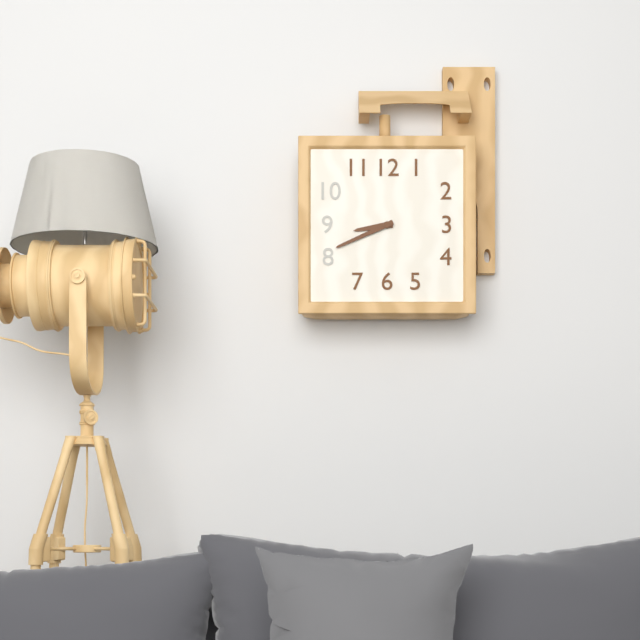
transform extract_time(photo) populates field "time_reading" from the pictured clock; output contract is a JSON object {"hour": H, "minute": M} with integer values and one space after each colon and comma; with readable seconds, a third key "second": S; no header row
{"hour": 8, "minute": 41}
